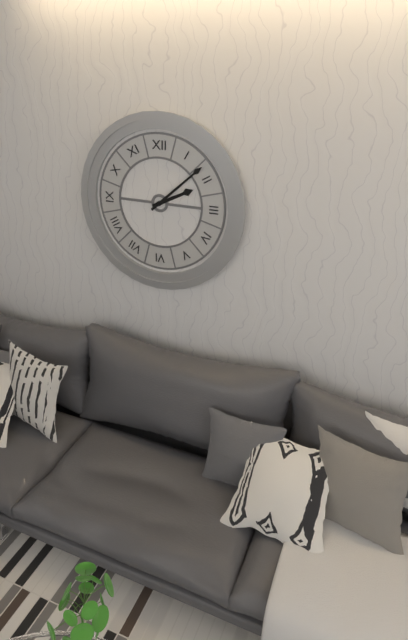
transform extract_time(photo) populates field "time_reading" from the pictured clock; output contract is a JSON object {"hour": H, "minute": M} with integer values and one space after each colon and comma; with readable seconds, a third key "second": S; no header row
{"hour": 2, "minute": 8}
